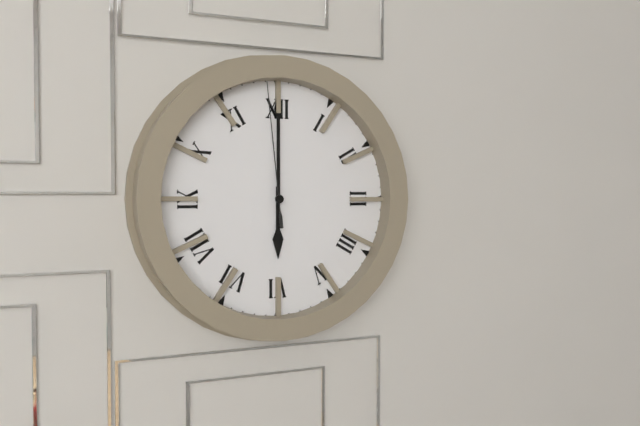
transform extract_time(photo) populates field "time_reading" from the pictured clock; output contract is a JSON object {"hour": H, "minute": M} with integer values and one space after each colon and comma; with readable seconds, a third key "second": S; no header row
{"hour": 6, "minute": 0, "second": 59}
